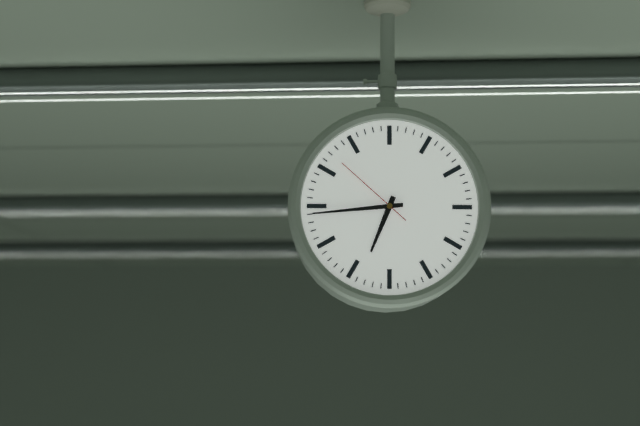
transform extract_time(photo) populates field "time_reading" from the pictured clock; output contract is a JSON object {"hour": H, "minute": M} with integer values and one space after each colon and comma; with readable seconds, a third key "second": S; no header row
{"hour": 6, "minute": 44, "second": 52}
